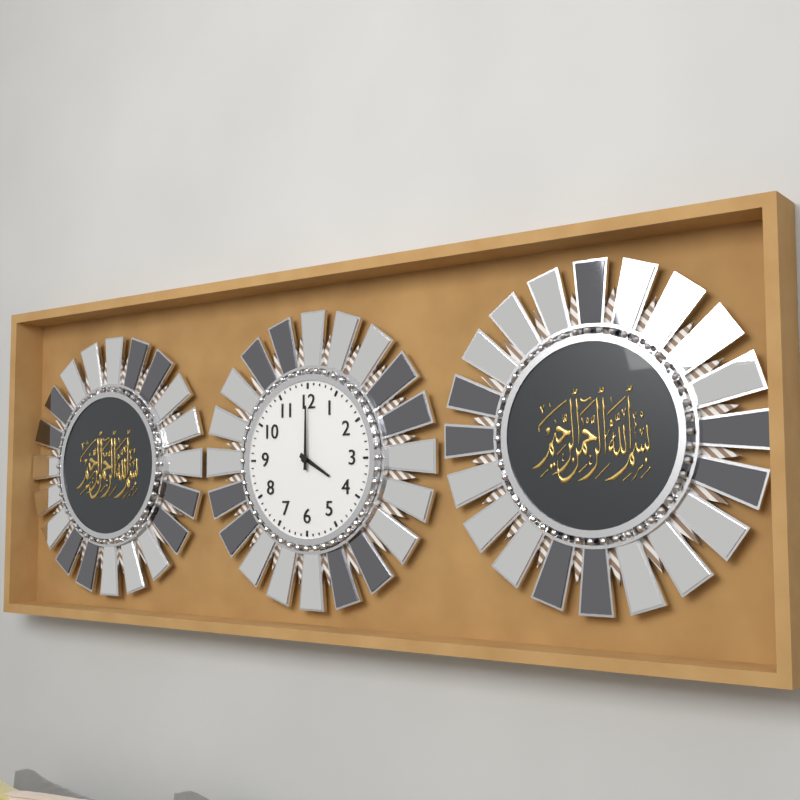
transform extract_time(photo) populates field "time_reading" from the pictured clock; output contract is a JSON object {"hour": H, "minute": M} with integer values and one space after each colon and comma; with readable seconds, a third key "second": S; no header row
{"hour": 4, "minute": 0}
